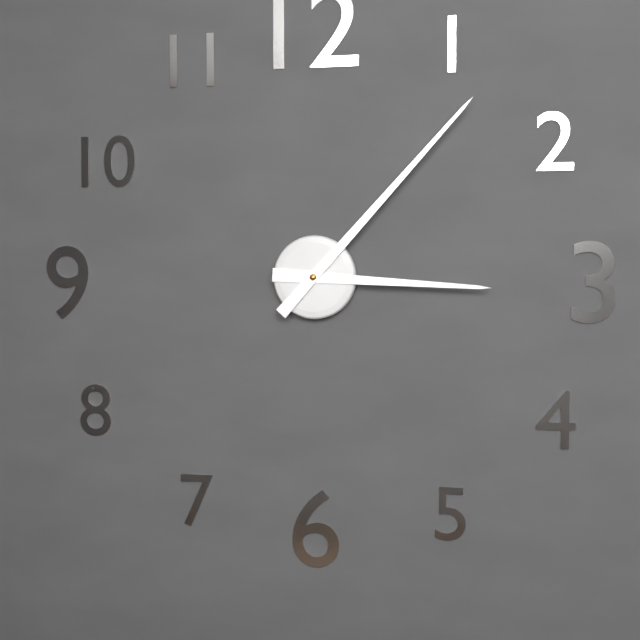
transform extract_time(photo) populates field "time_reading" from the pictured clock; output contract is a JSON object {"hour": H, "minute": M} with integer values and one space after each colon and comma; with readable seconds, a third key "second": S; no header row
{"hour": 3, "minute": 7}
